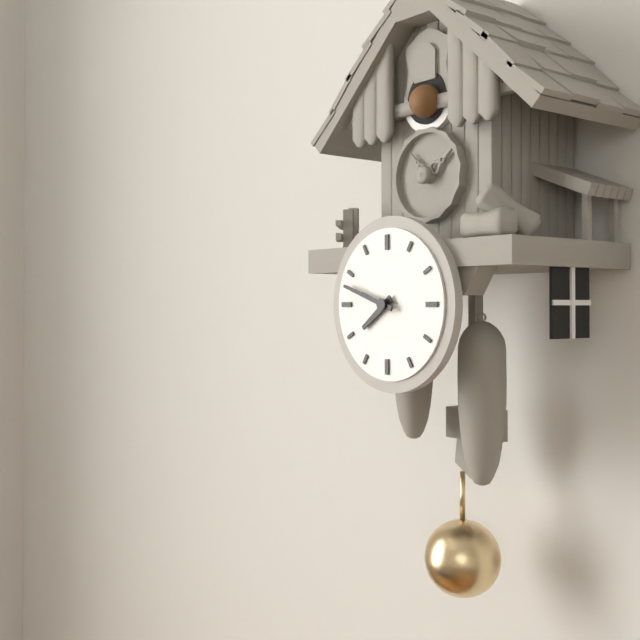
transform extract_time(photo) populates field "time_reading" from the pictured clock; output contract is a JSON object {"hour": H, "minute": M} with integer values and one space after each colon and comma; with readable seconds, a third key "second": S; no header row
{"hour": 7, "minute": 48}
